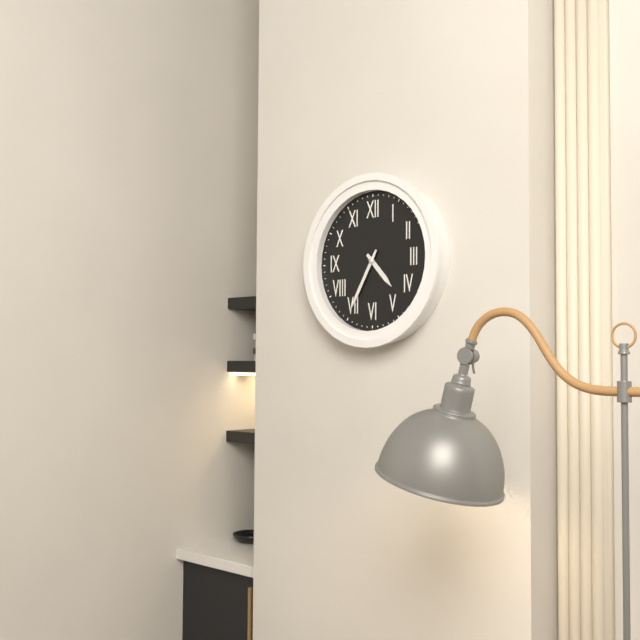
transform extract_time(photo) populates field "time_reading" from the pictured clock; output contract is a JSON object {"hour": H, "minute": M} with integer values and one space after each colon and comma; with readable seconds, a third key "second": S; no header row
{"hour": 4, "minute": 35}
